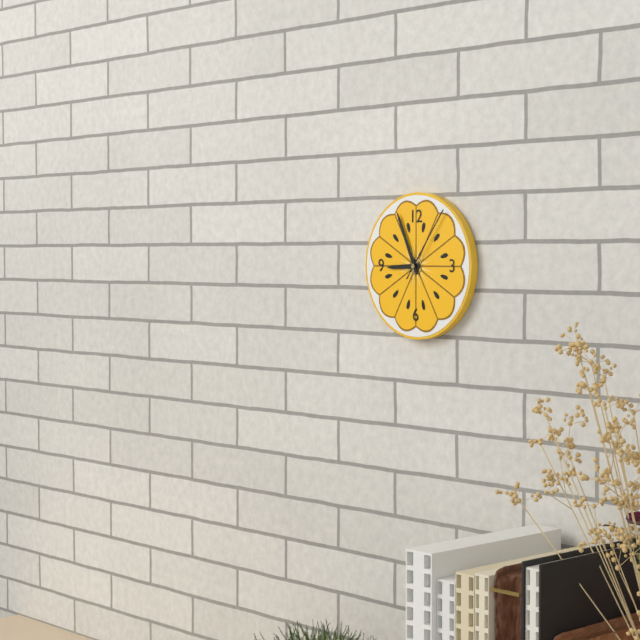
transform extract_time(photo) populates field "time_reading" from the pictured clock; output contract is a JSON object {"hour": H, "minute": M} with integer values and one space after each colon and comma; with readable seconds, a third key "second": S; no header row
{"hour": 8, "minute": 56, "second": 6}
